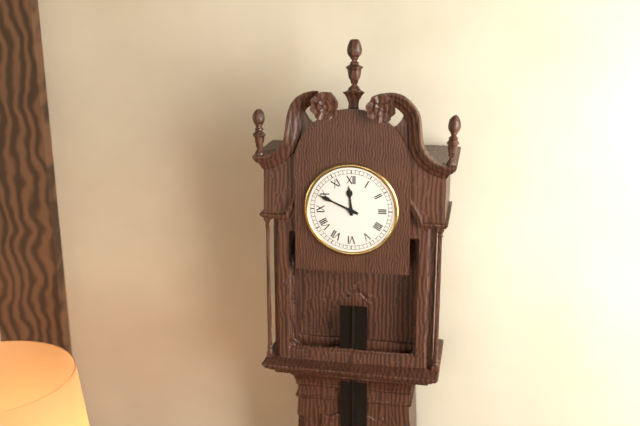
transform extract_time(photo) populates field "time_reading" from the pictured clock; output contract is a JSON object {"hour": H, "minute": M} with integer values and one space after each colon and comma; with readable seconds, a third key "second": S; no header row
{"hour": 11, "minute": 49}
